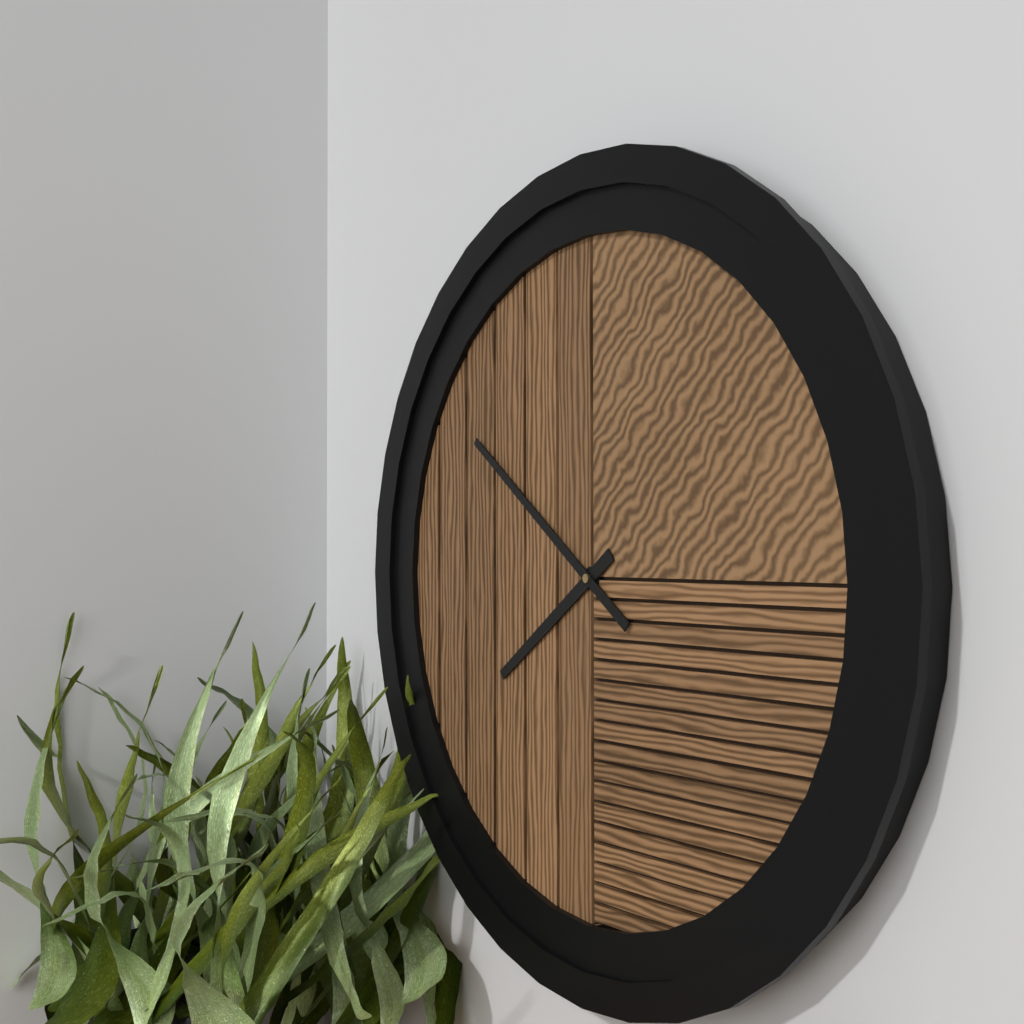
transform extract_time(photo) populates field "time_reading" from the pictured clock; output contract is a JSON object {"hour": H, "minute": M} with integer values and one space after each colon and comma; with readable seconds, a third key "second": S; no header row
{"hour": 7, "minute": 51}
